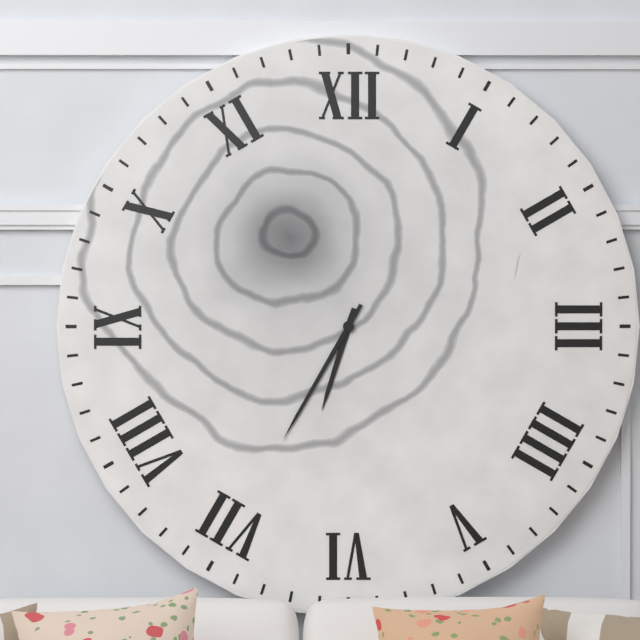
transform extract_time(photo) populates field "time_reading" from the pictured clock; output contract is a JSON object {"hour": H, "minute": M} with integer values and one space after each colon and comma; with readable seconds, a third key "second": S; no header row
{"hour": 6, "minute": 35}
